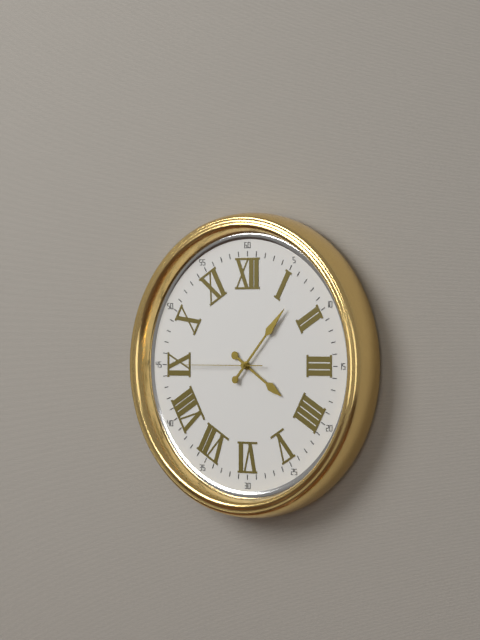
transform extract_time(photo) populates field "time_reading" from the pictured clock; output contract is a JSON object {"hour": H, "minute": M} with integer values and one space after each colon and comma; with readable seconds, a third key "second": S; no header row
{"hour": 4, "minute": 7, "second": 45}
